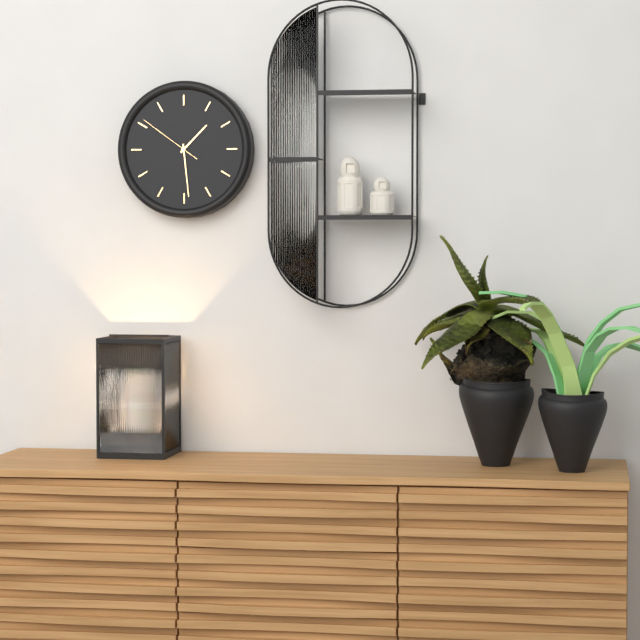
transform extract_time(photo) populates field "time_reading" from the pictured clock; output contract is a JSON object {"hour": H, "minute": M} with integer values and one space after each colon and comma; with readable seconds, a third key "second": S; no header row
{"hour": 1, "minute": 29, "second": 51}
